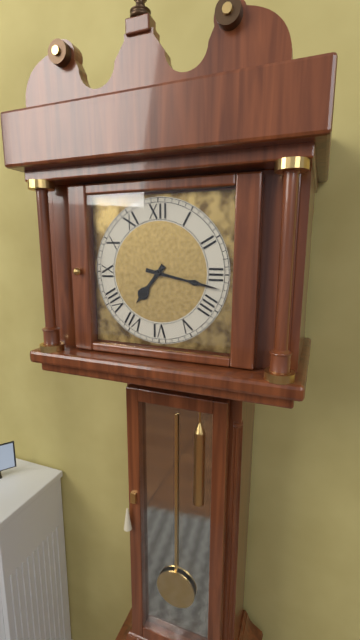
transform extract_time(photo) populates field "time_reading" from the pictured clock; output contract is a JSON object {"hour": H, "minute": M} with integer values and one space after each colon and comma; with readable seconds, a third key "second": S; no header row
{"hour": 7, "minute": 17}
